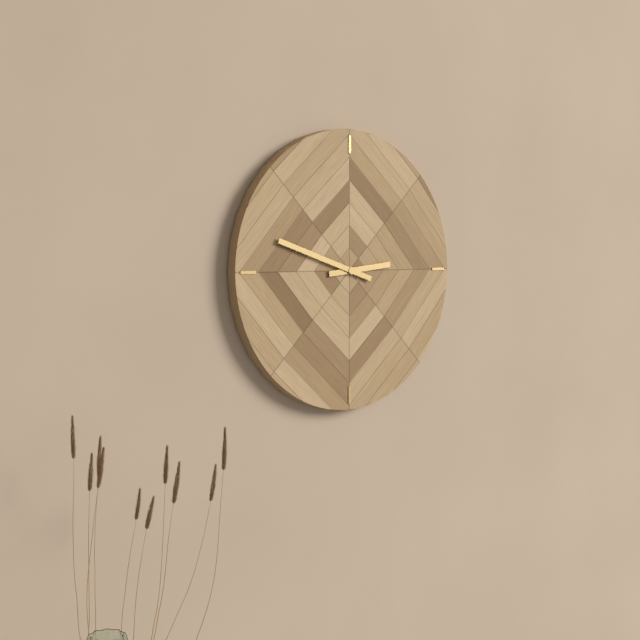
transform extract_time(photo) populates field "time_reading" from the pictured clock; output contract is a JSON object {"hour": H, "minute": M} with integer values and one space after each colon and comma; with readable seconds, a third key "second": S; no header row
{"hour": 2, "minute": 48}
